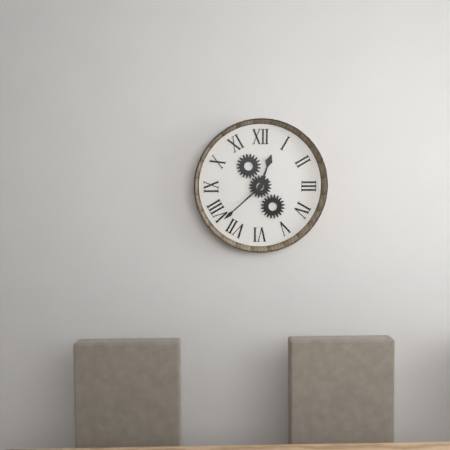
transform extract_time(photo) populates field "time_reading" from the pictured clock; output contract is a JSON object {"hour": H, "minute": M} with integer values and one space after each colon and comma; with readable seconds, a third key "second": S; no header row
{"hour": 12, "minute": 38}
